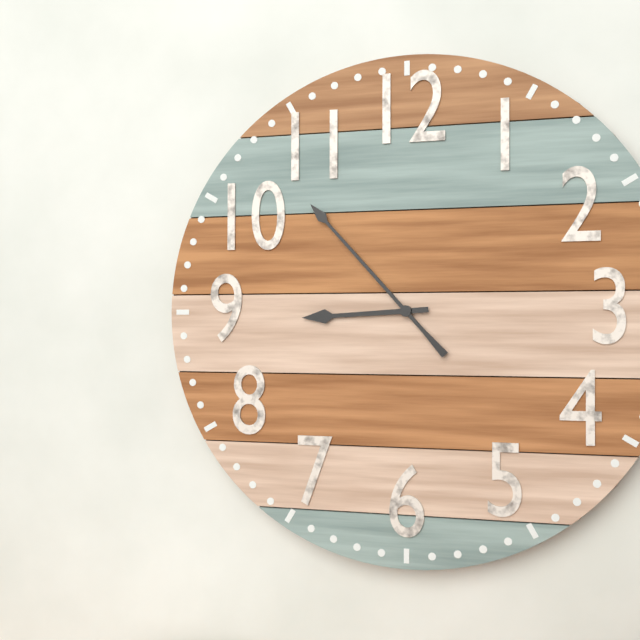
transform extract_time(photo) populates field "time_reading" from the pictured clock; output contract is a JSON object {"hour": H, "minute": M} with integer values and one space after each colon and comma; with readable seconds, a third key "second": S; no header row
{"hour": 8, "minute": 53}
